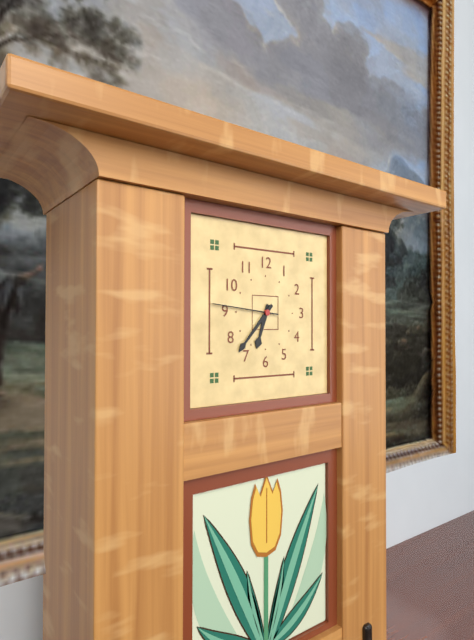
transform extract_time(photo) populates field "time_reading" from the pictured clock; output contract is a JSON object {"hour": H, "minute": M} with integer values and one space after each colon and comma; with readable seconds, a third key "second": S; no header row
{"hour": 6, "minute": 37, "second": 46}
